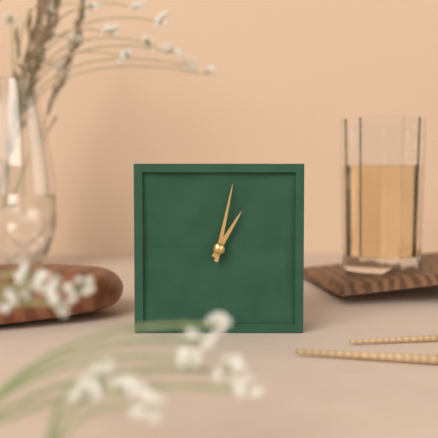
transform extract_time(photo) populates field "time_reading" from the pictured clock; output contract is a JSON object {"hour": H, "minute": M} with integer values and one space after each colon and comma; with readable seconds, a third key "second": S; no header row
{"hour": 1, "minute": 2}
